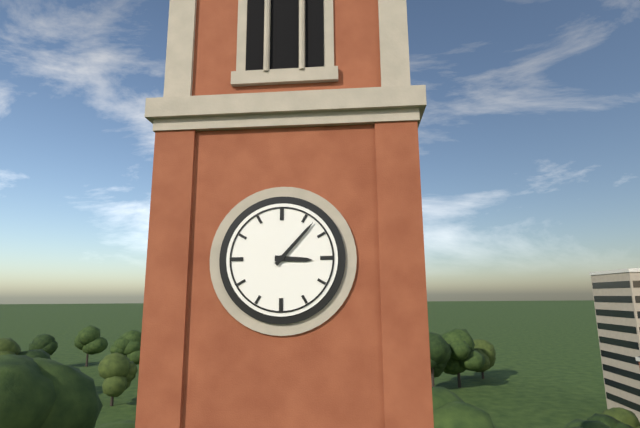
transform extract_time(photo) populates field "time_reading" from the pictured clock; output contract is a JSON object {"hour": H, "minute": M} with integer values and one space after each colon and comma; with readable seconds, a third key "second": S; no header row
{"hour": 3, "minute": 7}
